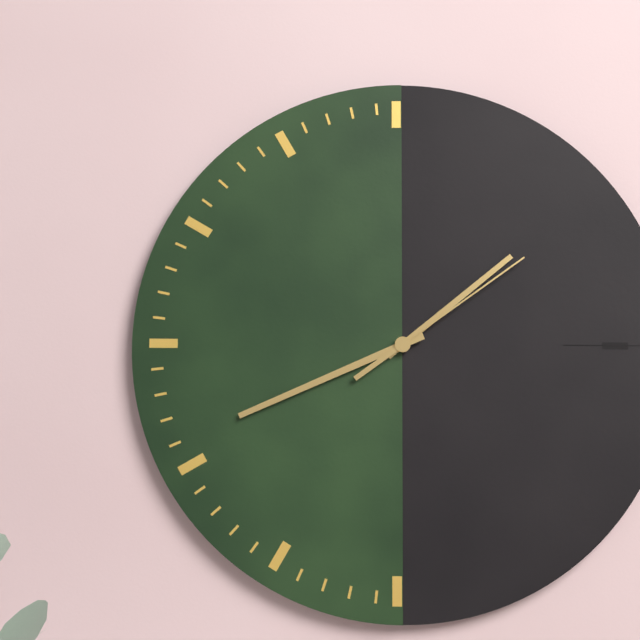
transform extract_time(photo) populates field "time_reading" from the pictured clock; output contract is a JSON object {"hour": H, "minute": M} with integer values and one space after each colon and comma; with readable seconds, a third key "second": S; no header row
{"hour": 1, "minute": 41, "second": 9}
